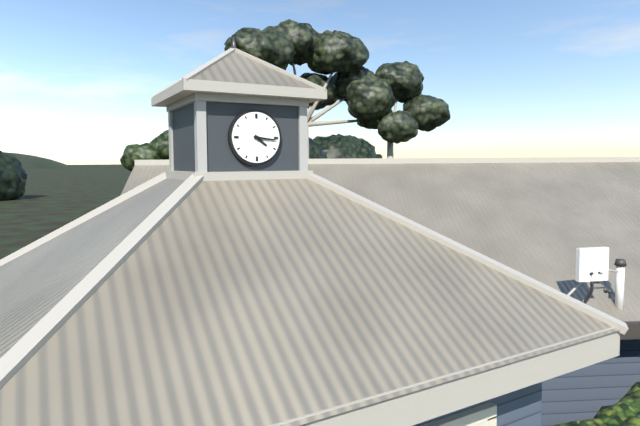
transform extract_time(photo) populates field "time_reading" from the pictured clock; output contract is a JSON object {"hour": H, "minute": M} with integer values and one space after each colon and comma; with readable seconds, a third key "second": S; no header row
{"hour": 4, "minute": 16}
